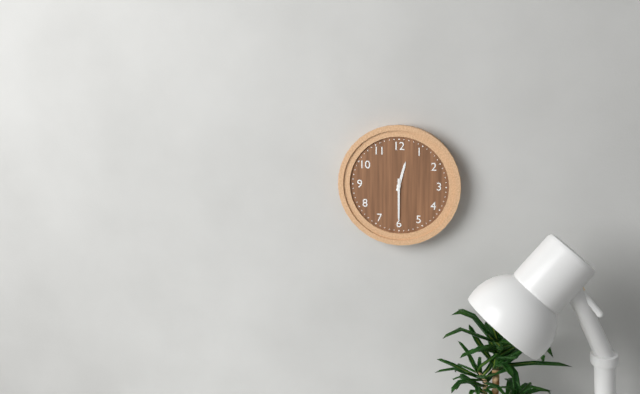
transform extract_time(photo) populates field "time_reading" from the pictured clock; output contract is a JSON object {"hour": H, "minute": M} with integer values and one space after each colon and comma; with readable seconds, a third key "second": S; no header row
{"hour": 12, "minute": 30}
